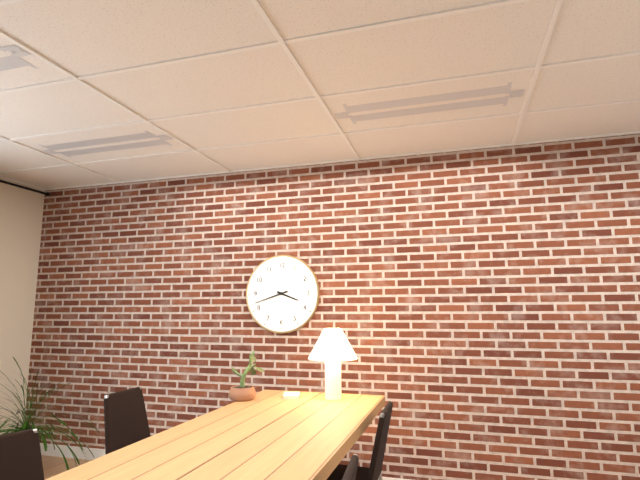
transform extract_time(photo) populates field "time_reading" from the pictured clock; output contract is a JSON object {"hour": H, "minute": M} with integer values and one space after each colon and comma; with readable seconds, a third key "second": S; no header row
{"hour": 3, "minute": 42}
